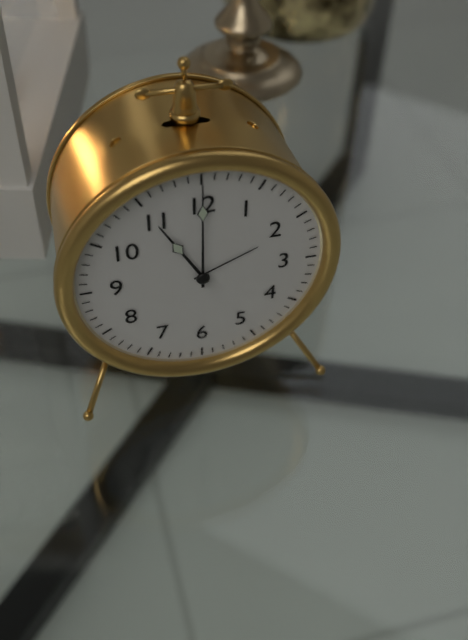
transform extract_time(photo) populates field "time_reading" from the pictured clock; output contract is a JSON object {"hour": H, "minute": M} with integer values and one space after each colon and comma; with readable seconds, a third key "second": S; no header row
{"hour": 11, "minute": 0}
